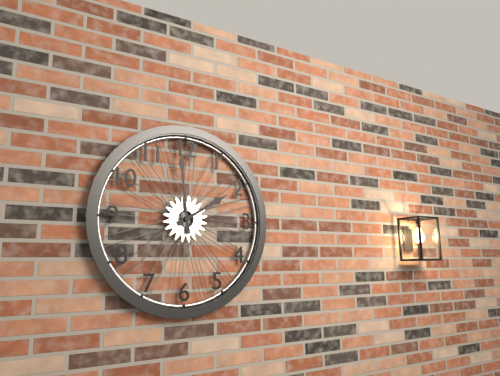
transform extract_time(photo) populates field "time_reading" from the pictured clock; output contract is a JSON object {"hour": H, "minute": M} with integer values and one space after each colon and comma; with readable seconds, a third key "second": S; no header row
{"hour": 1, "minute": 59}
